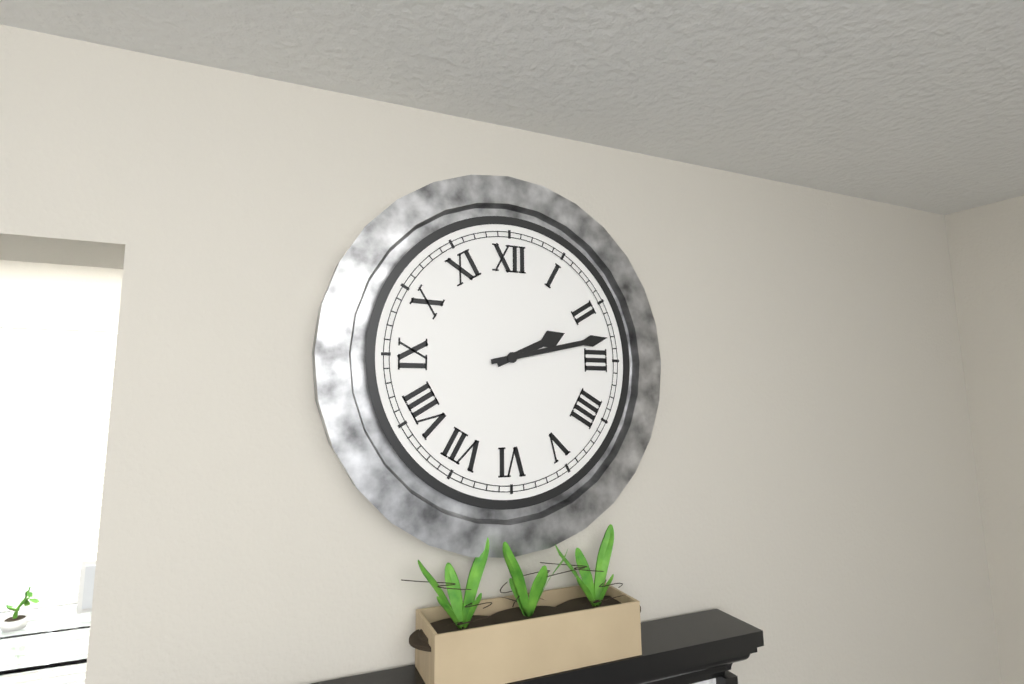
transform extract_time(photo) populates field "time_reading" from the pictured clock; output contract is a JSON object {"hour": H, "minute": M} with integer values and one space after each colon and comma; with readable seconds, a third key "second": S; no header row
{"hour": 2, "minute": 13}
